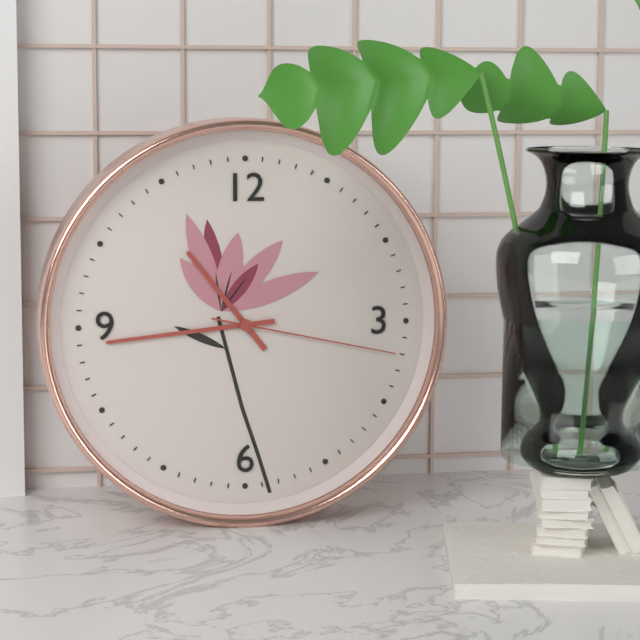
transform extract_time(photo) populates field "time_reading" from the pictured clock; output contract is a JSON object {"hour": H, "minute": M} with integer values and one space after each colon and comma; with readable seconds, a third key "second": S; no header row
{"hour": 10, "minute": 44, "second": 17}
